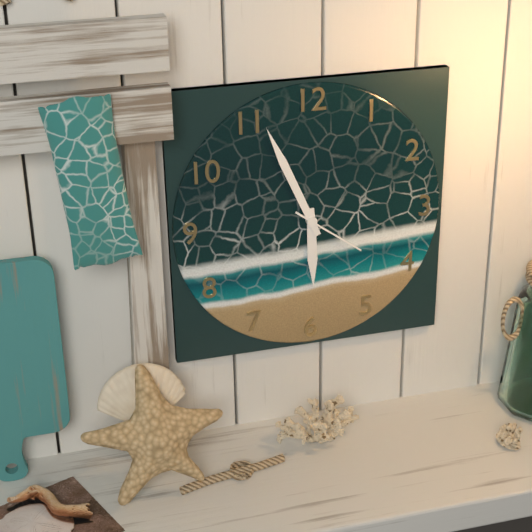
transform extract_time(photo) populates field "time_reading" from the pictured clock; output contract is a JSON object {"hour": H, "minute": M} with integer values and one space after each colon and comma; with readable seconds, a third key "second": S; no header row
{"hour": 5, "minute": 56, "second": 21}
